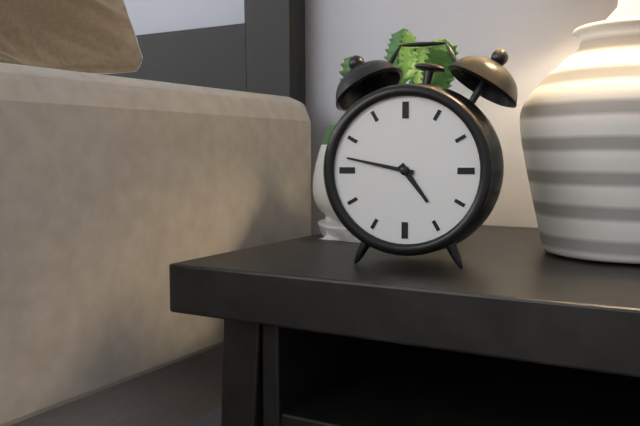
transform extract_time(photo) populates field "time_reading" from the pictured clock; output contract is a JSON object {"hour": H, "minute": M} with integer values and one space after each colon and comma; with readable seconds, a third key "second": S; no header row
{"hour": 4, "minute": 47}
